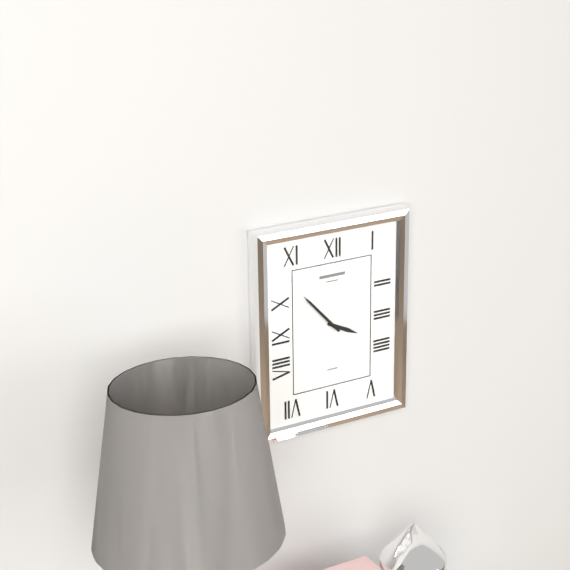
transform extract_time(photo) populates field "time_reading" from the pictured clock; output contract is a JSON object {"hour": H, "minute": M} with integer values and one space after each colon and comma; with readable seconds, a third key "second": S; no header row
{"hour": 3, "minute": 53}
